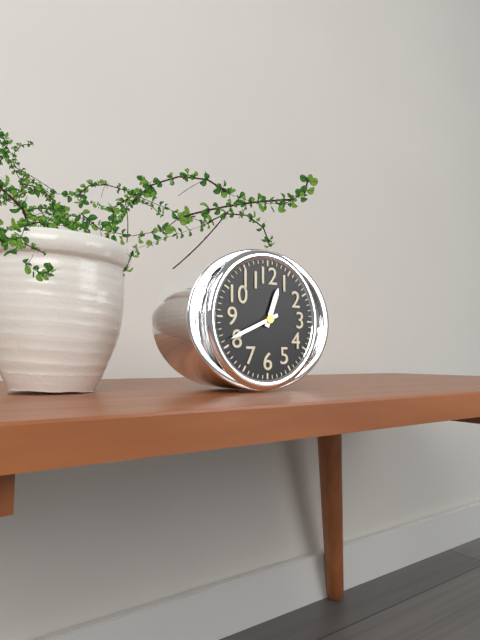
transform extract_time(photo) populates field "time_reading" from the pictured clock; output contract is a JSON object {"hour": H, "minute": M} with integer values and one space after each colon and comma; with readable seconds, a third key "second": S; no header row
{"hour": 12, "minute": 41}
